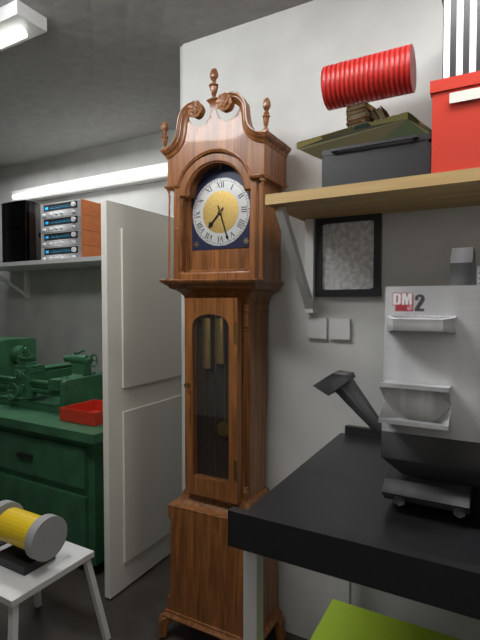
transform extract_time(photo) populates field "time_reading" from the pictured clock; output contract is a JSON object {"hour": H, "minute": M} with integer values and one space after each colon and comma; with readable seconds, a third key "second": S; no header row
{"hour": 7, "minute": 27}
